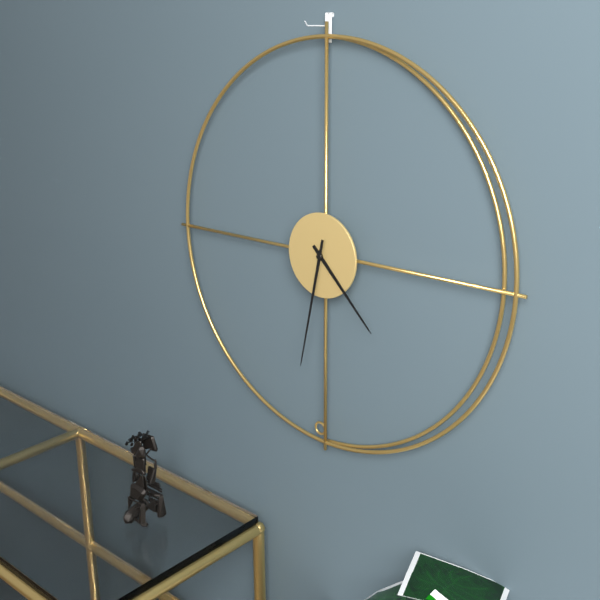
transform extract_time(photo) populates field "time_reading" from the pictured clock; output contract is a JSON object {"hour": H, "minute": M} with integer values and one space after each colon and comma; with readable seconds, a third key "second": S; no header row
{"hour": 4, "minute": 32}
